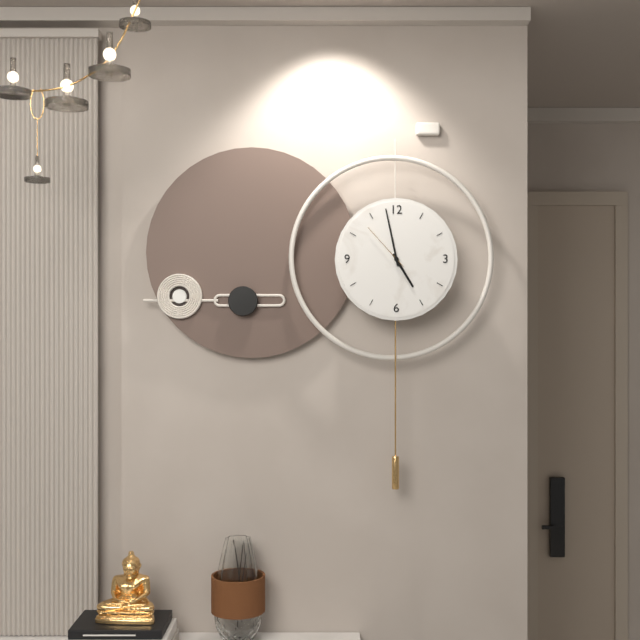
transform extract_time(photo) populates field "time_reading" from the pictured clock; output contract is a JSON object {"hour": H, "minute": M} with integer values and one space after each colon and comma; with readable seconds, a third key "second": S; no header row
{"hour": 4, "minute": 58, "second": 53}
